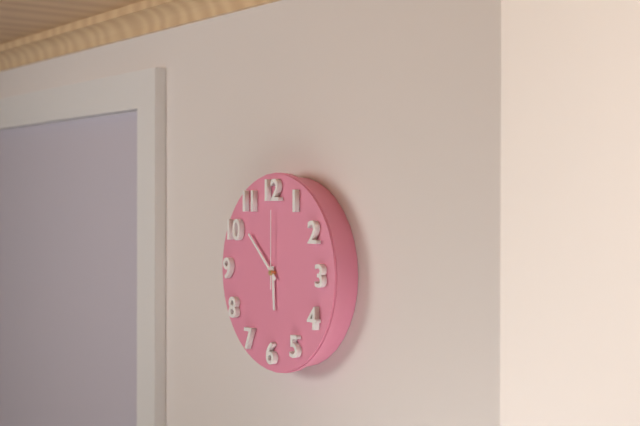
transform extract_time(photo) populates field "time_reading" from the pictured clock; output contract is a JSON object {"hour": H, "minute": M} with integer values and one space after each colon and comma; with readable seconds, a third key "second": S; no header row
{"hour": 5, "minute": 52, "second": 0}
